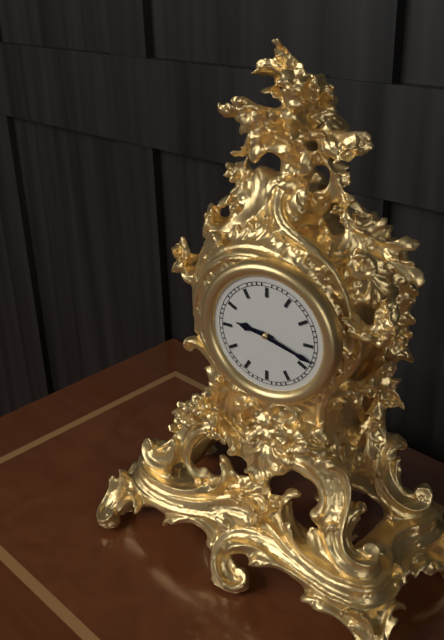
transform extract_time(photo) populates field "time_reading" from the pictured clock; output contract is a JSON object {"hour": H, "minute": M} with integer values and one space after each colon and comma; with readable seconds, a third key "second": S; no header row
{"hour": 9, "minute": 18}
